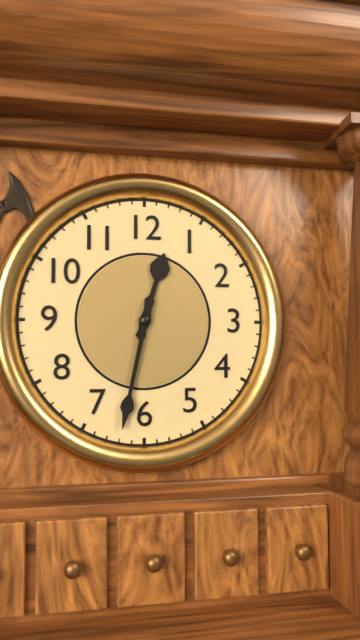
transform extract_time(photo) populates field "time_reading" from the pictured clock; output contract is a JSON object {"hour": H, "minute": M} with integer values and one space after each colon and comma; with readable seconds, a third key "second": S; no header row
{"hour": 12, "minute": 32}
